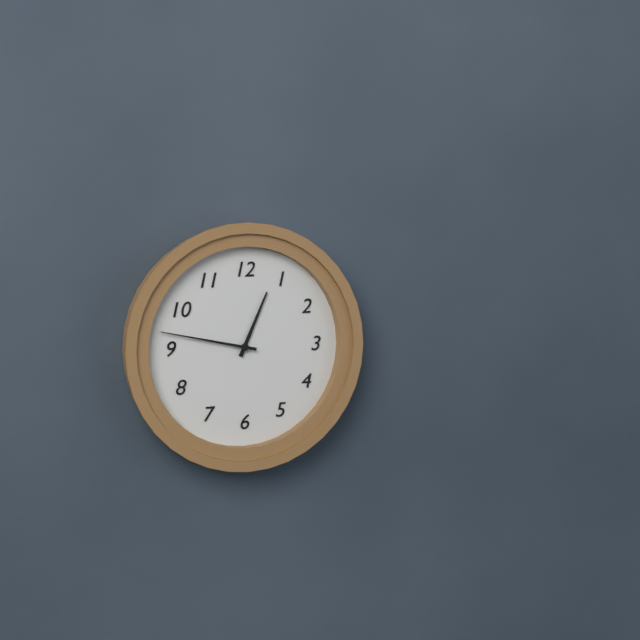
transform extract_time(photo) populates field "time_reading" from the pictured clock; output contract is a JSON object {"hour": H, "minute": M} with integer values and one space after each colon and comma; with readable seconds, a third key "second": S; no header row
{"hour": 12, "minute": 47}
